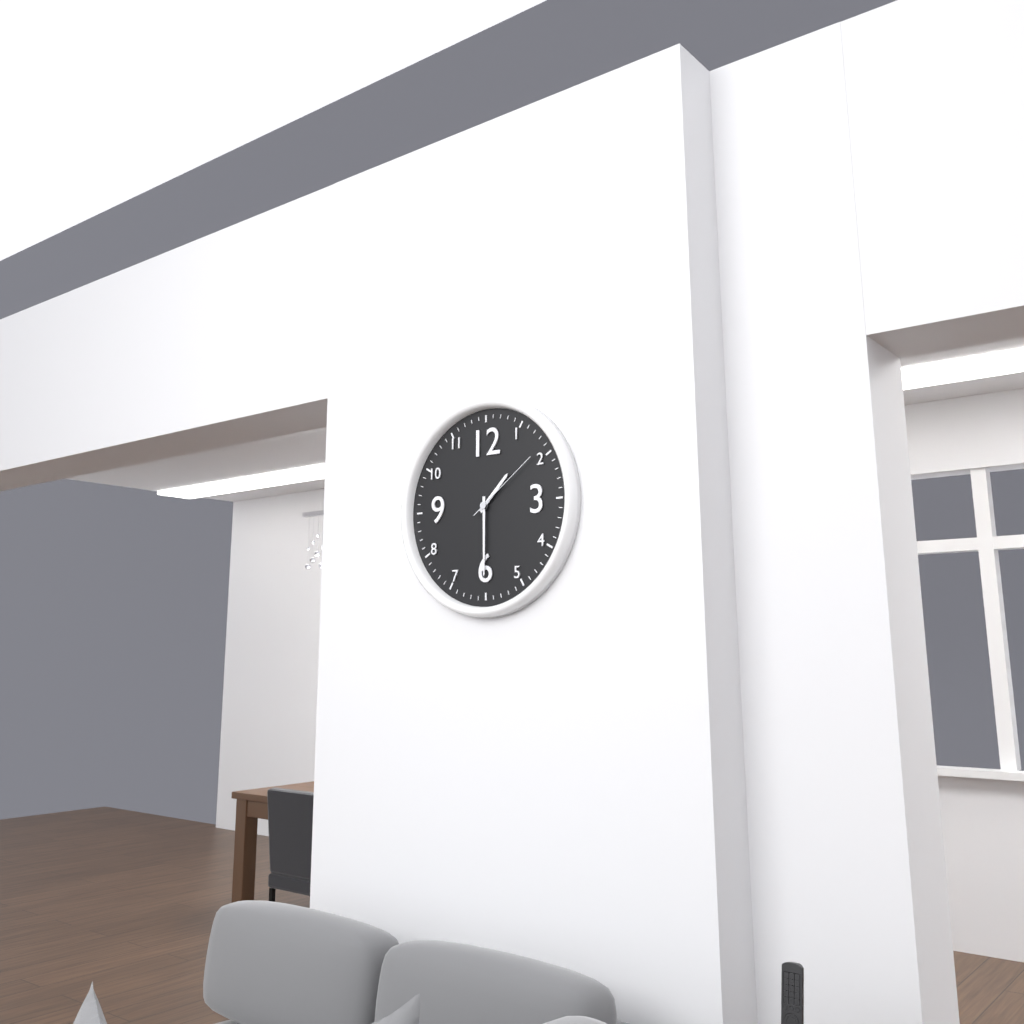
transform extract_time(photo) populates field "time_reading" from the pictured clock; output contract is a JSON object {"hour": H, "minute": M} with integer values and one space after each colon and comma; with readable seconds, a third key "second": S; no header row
{"hour": 1, "minute": 30, "second": 9}
